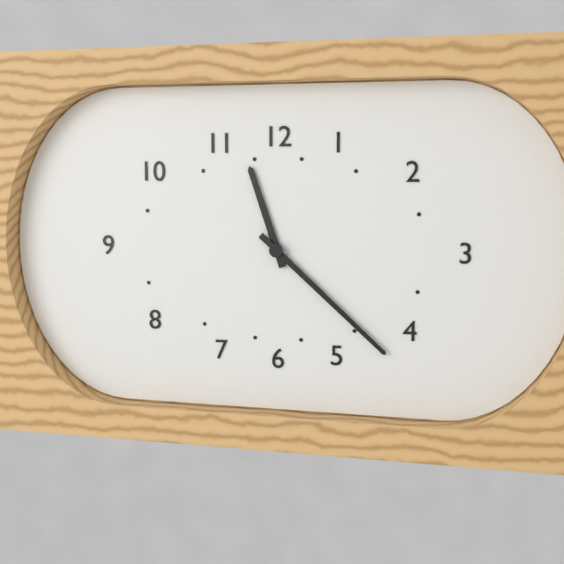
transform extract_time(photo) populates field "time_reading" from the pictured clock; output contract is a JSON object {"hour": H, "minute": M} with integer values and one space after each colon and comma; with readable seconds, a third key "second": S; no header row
{"hour": 11, "minute": 22}
